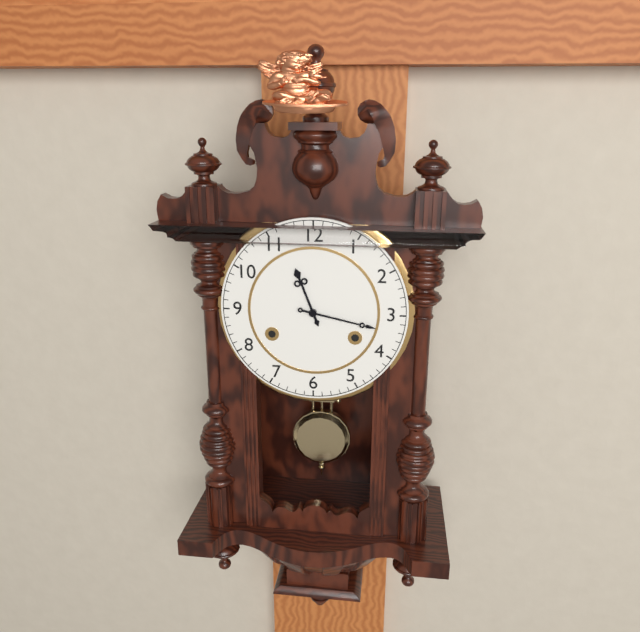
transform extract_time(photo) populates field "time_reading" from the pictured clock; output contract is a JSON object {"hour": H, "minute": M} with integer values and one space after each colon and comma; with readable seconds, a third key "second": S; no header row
{"hour": 11, "minute": 17}
